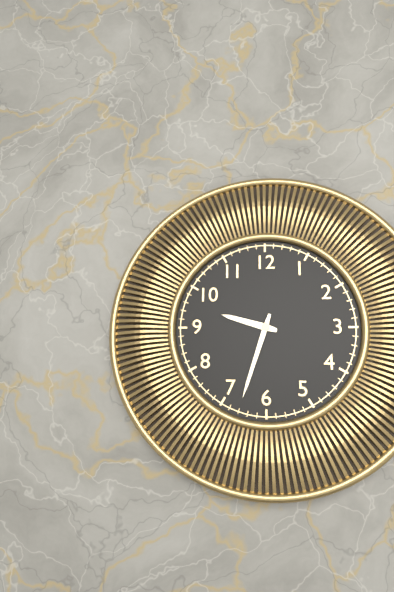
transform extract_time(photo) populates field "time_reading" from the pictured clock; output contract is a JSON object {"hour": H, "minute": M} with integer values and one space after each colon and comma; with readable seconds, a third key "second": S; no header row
{"hour": 9, "minute": 33}
